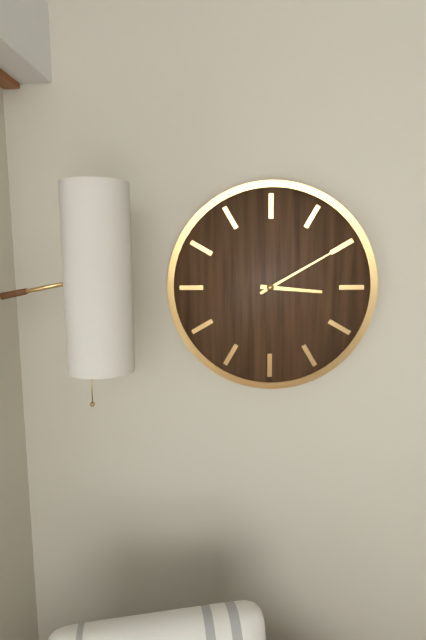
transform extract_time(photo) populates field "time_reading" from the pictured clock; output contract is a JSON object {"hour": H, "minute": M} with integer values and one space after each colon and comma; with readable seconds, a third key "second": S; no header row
{"hour": 3, "minute": 10}
